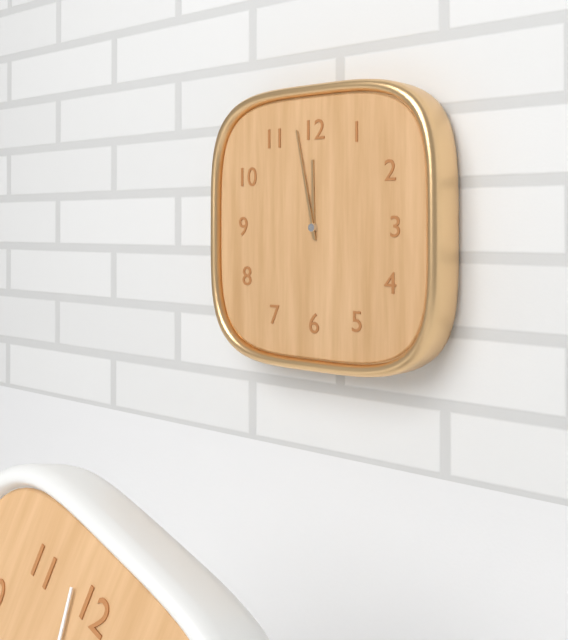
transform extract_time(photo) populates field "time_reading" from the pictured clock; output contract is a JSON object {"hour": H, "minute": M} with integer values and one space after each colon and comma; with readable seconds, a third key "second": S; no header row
{"hour": 11, "minute": 58}
